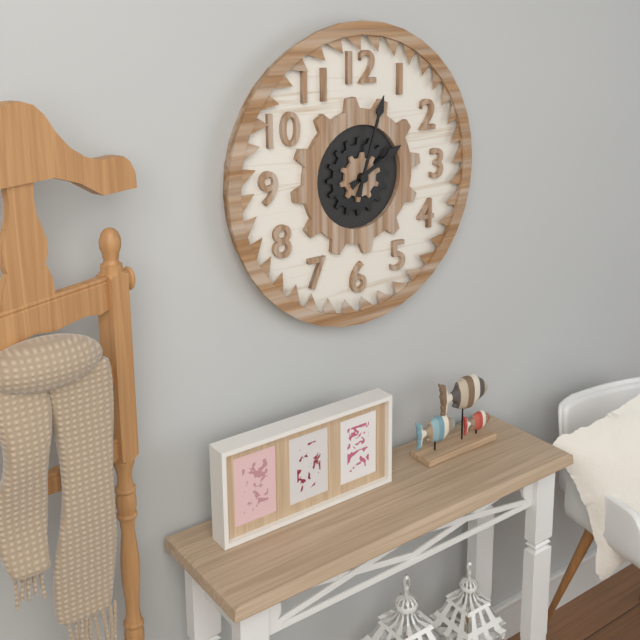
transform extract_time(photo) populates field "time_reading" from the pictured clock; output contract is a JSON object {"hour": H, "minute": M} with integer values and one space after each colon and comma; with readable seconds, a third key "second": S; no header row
{"hour": 2, "minute": 3}
